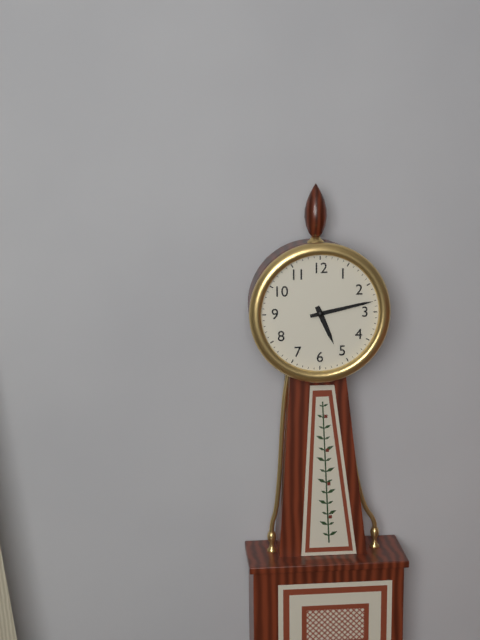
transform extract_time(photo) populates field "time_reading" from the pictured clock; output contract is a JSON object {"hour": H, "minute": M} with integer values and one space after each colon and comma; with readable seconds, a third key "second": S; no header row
{"hour": 5, "minute": 13}
